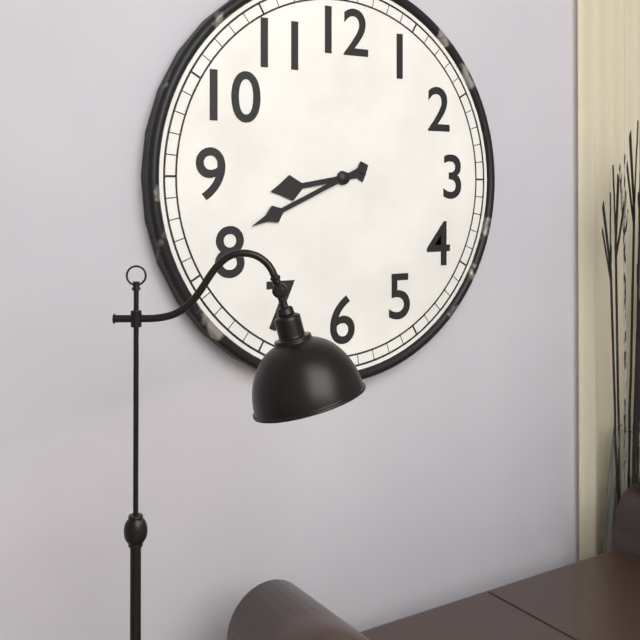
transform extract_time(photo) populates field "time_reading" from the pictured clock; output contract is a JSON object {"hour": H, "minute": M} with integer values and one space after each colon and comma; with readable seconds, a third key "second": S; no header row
{"hour": 8, "minute": 41}
